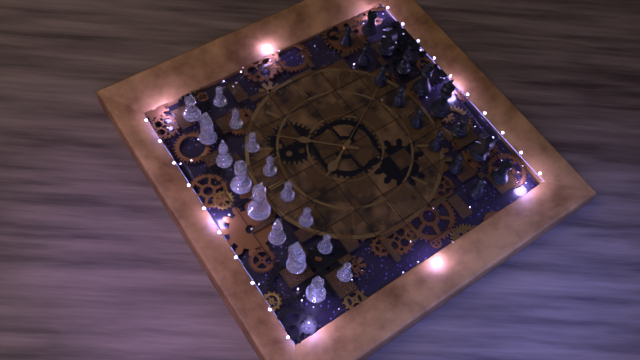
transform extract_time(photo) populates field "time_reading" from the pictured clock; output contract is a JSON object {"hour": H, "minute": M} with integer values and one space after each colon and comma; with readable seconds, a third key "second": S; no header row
{"hour": 11, "minute": 7, "second": 25}
